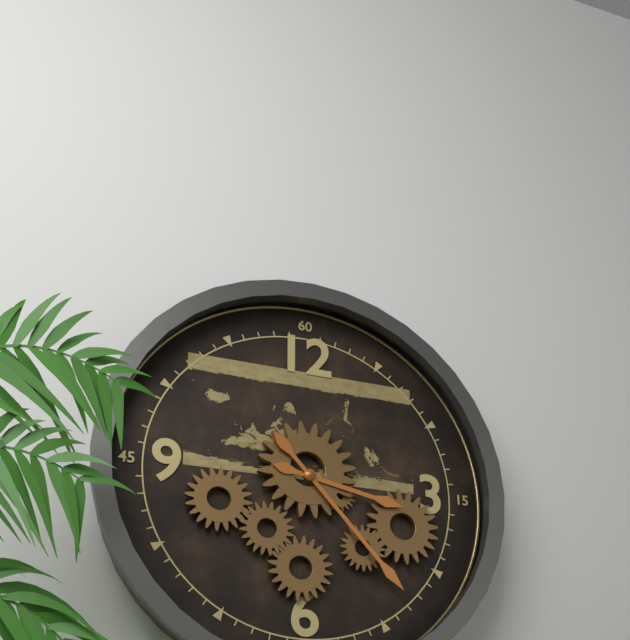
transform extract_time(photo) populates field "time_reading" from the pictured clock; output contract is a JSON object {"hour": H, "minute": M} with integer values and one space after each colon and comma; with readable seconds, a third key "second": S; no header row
{"hour": 3, "minute": 23}
